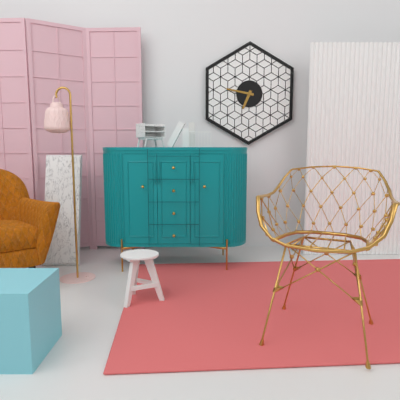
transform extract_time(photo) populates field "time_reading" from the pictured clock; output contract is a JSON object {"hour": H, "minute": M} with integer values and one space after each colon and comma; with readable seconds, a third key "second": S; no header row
{"hour": 6, "minute": 47}
